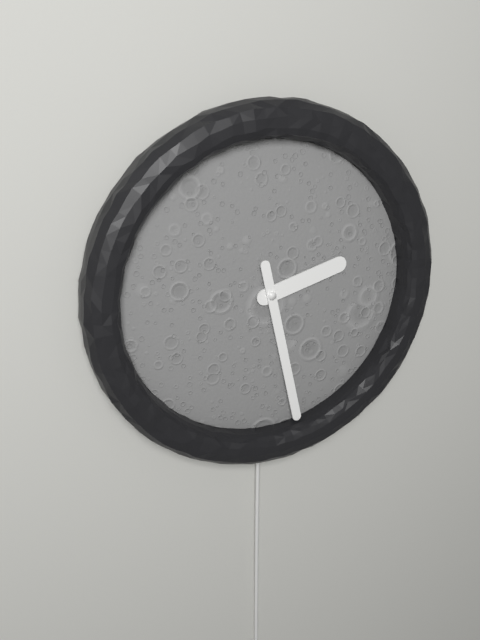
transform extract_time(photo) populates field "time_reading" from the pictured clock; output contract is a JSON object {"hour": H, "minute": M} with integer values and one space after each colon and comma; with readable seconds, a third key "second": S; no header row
{"hour": 2, "minute": 28}
